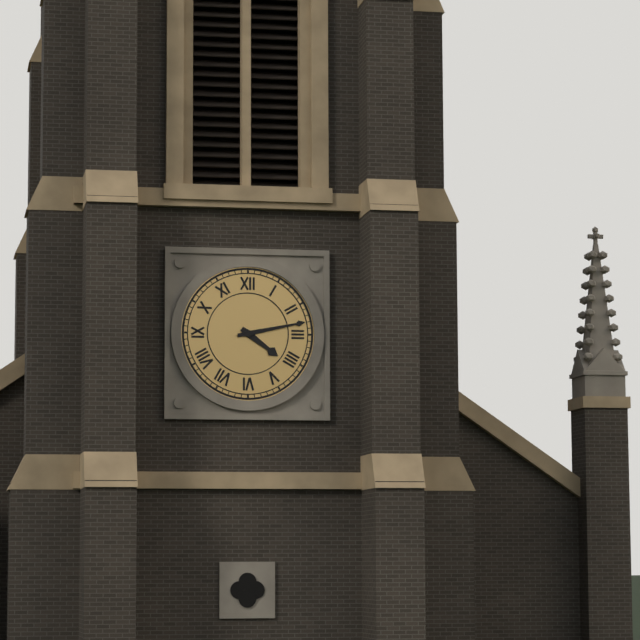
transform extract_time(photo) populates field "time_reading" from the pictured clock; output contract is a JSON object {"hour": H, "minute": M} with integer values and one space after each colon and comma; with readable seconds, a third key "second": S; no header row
{"hour": 4, "minute": 13}
